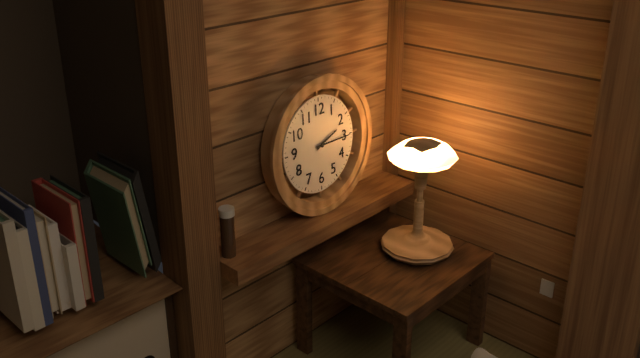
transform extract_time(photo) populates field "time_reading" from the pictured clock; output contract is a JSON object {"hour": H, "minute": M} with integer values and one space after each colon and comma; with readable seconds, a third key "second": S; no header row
{"hour": 2, "minute": 15}
